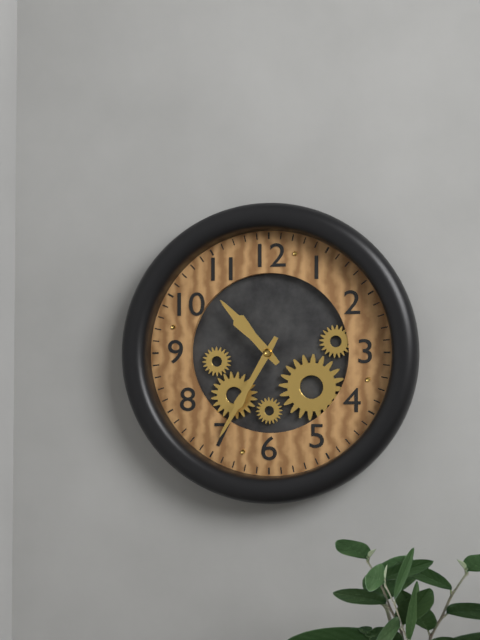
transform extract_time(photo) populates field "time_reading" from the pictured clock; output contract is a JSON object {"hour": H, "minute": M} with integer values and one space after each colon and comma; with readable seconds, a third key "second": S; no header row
{"hour": 10, "minute": 35}
